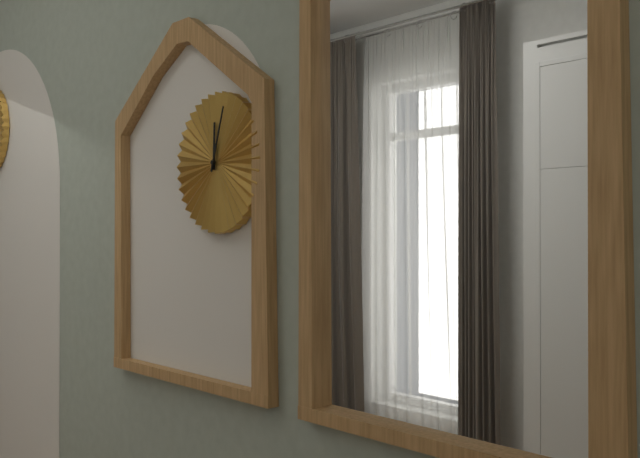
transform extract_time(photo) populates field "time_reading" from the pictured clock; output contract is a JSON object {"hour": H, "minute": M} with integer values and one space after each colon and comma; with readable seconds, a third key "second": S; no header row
{"hour": 12, "minute": 3}
